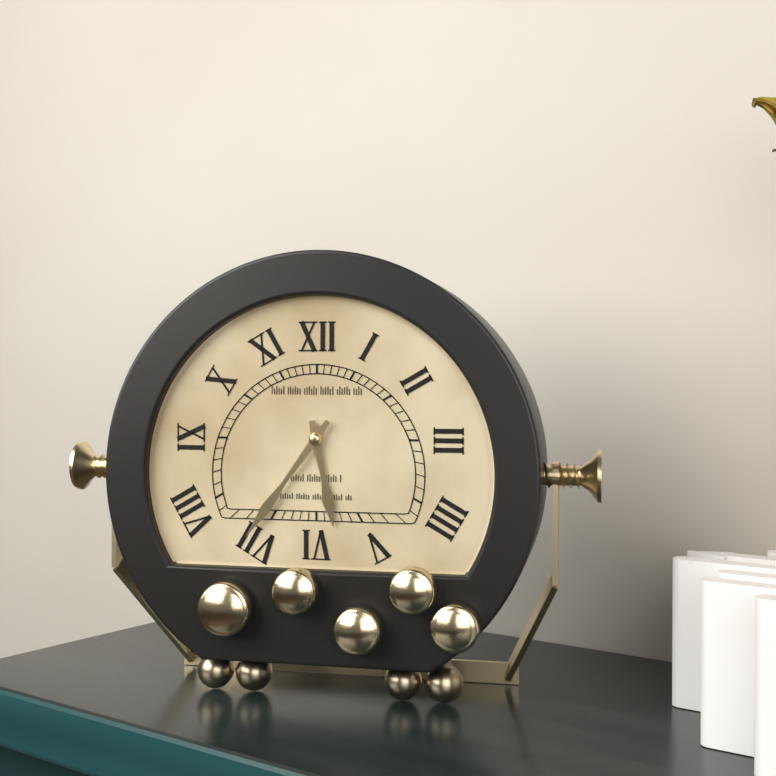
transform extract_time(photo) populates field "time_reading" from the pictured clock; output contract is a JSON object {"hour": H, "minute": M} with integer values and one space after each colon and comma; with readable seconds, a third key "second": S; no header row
{"hour": 5, "minute": 36}
